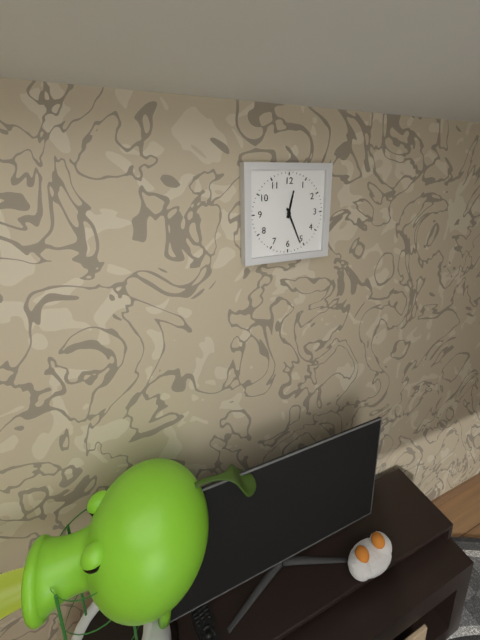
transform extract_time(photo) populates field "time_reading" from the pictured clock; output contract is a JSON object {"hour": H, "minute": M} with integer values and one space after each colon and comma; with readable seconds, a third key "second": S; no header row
{"hour": 12, "minute": 26}
